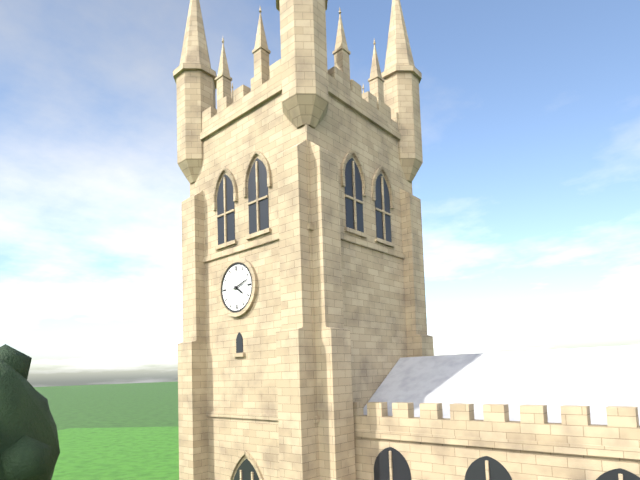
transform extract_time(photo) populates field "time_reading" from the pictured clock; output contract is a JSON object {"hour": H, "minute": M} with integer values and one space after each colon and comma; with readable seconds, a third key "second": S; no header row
{"hour": 4, "minute": 12}
